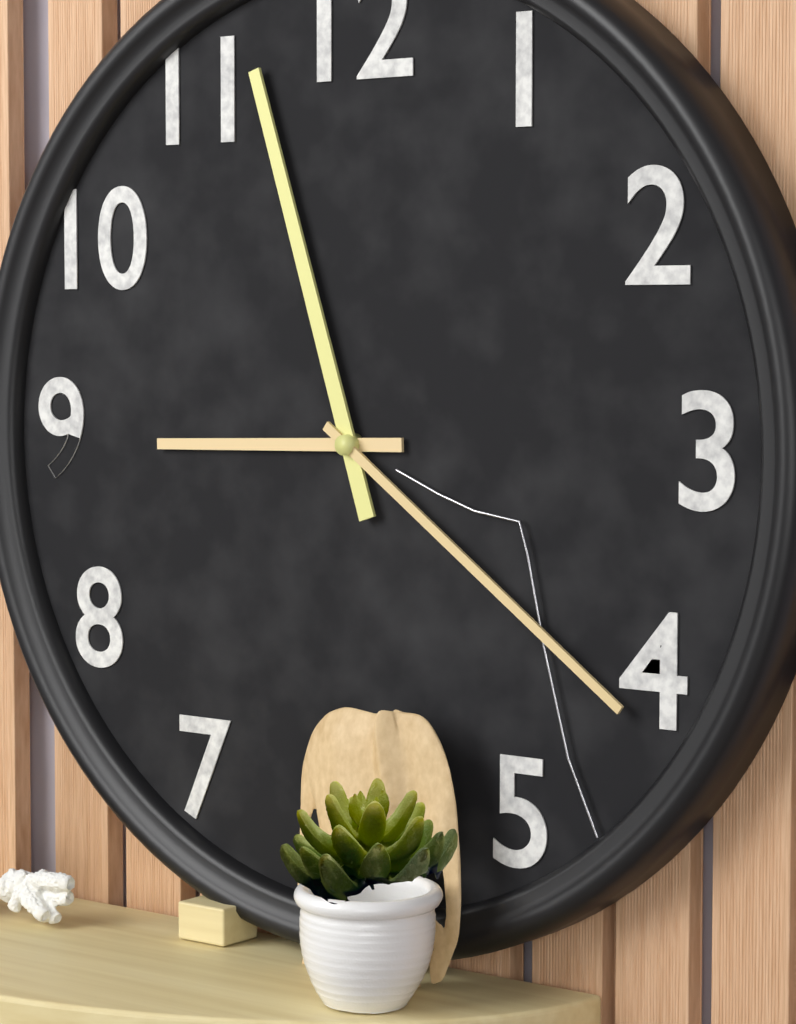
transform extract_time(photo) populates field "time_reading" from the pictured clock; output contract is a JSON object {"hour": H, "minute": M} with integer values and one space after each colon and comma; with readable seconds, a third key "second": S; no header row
{"hour": 8, "minute": 57, "second": 21}
